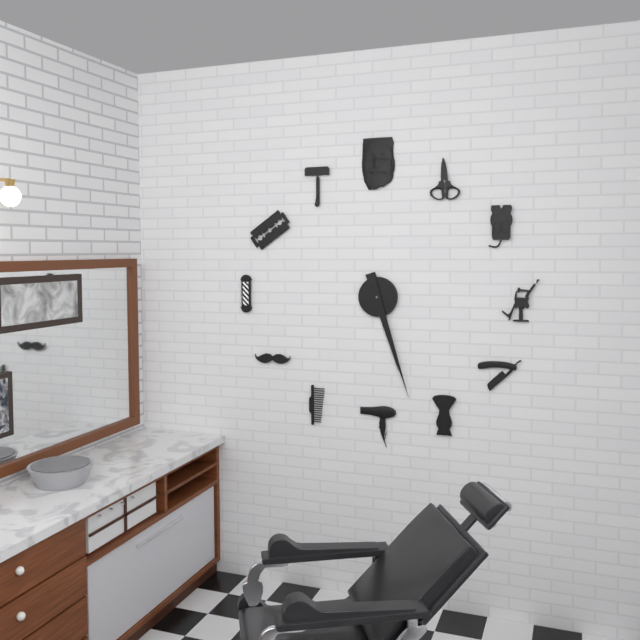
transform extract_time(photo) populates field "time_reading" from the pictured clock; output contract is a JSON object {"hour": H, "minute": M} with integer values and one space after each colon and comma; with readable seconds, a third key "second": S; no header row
{"hour": 5, "minute": 27}
